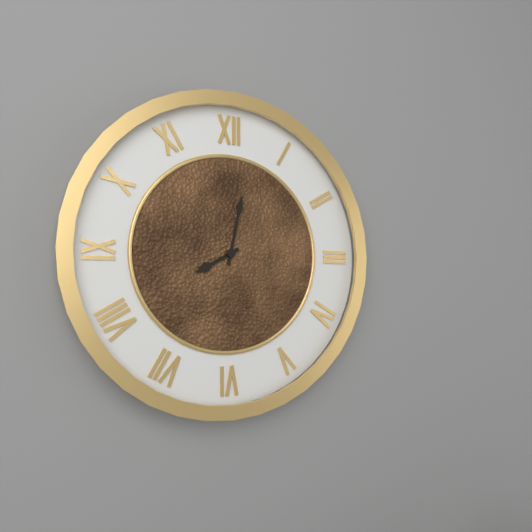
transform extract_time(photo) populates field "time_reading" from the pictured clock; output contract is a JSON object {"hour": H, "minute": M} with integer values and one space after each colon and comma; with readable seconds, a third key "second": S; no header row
{"hour": 8, "minute": 2}
